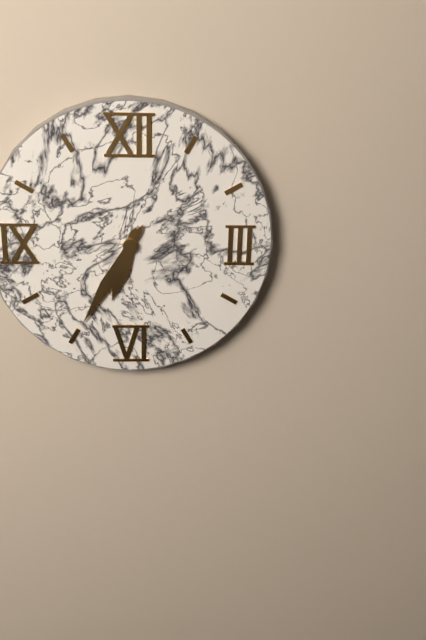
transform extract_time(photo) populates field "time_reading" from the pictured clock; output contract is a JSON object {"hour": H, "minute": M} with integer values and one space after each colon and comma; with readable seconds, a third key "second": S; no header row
{"hour": 6, "minute": 35}
